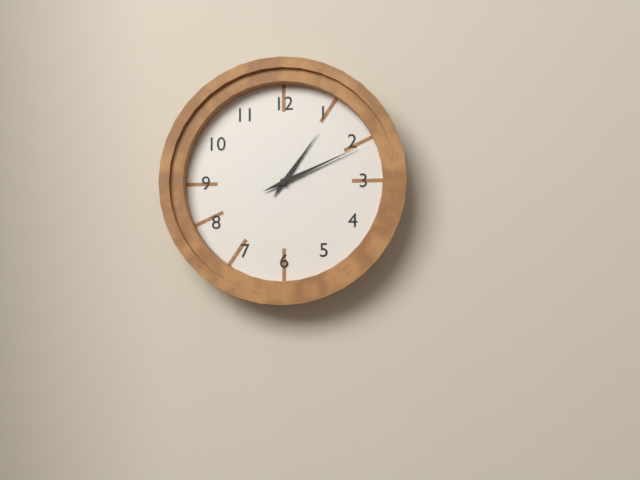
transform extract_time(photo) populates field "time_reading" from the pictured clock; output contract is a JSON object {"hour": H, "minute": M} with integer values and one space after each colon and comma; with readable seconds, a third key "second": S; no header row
{"hour": 1, "minute": 11}
